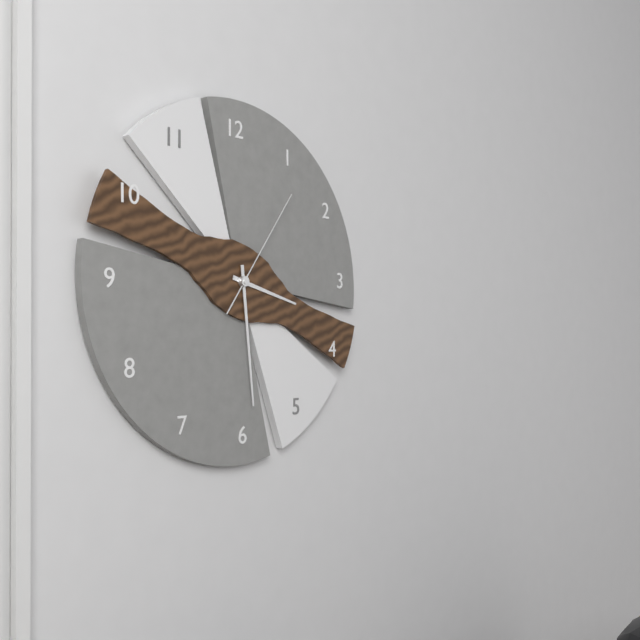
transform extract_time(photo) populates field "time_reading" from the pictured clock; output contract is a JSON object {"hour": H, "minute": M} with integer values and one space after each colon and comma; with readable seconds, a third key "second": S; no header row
{"hour": 3, "minute": 29, "second": 6}
